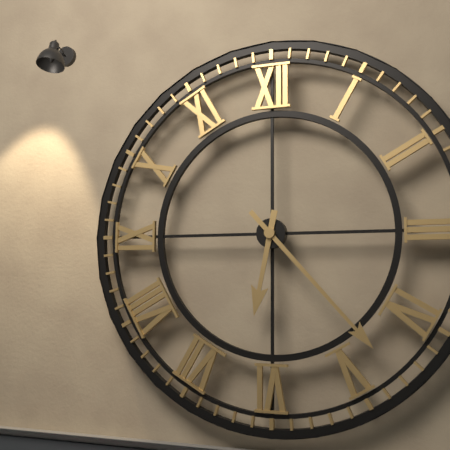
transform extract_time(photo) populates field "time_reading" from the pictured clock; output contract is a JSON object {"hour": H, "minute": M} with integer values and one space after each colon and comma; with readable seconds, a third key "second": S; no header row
{"hour": 6, "minute": 23}
